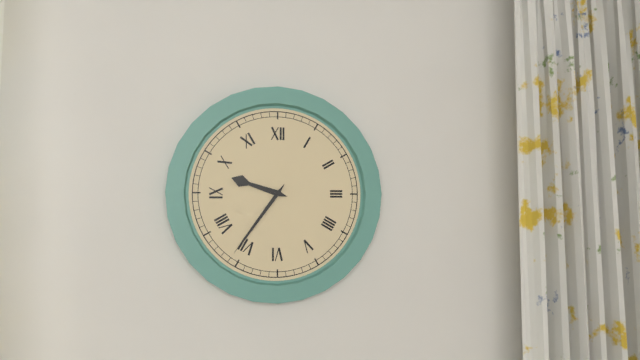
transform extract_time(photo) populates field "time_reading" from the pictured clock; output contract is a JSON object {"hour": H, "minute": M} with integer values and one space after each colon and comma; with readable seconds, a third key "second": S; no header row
{"hour": 9, "minute": 36}
